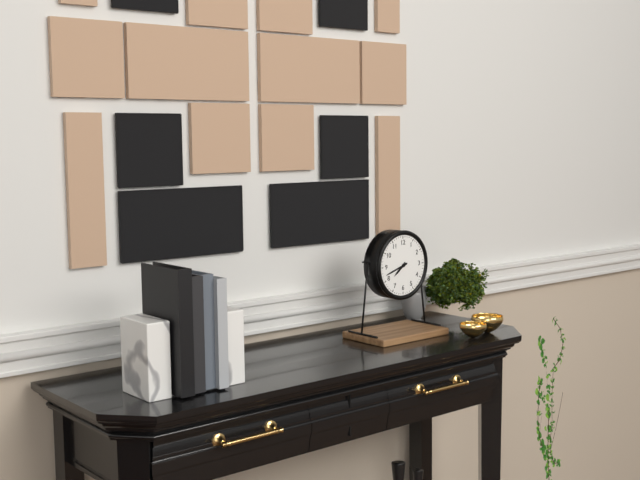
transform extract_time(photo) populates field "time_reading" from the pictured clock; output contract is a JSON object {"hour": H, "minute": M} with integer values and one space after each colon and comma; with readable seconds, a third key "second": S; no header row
{"hour": 7, "minute": 42}
